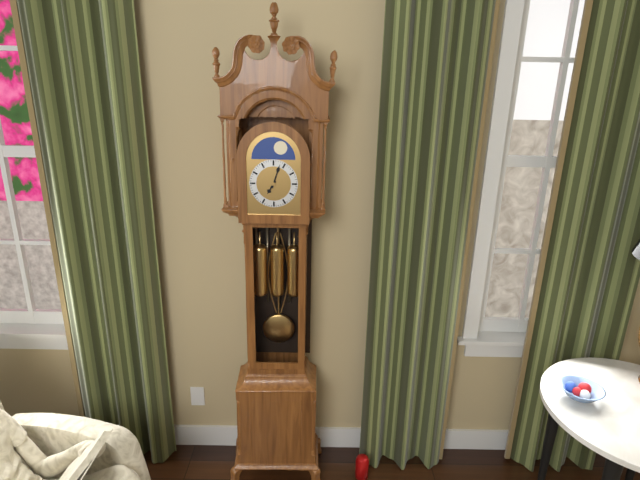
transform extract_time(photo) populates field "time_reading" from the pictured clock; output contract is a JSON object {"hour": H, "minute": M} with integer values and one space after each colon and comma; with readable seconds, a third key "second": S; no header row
{"hour": 7, "minute": 3}
